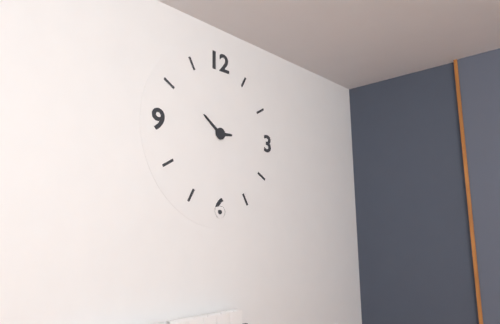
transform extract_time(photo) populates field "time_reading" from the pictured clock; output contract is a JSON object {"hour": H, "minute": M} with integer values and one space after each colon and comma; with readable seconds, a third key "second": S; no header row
{"hour": 2, "minute": 51}
